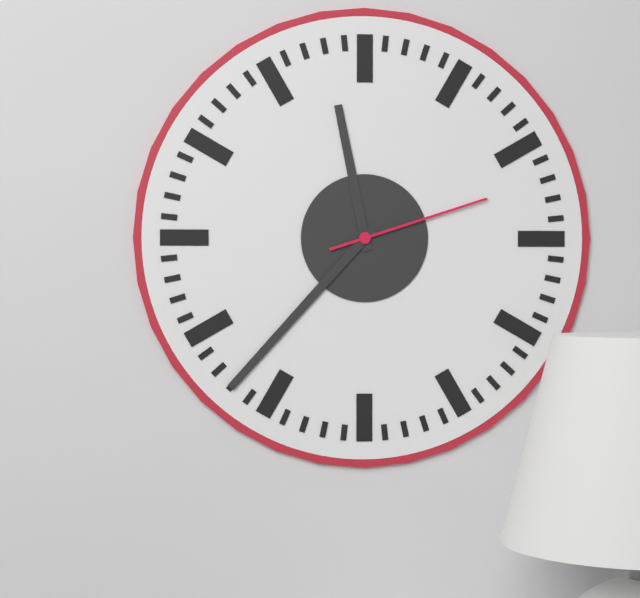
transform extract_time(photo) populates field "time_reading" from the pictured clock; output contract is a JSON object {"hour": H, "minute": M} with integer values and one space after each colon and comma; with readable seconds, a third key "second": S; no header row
{"hour": 11, "minute": 37, "second": 12}
